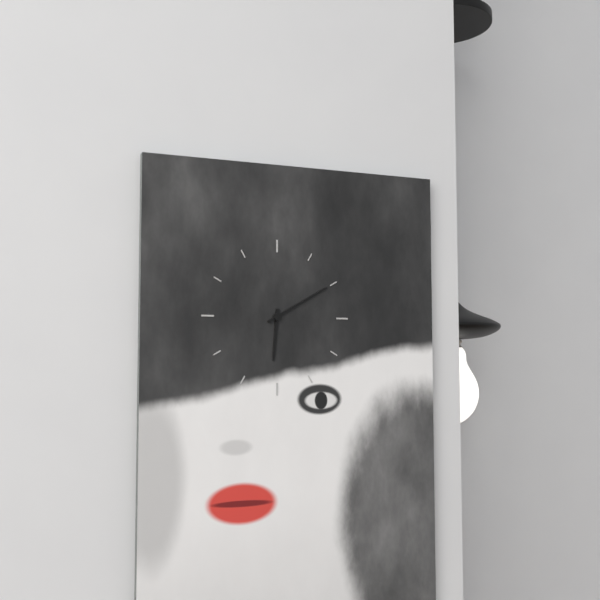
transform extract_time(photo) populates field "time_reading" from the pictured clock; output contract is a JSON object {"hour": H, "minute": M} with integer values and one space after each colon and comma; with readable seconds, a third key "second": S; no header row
{"hour": 6, "minute": 10}
